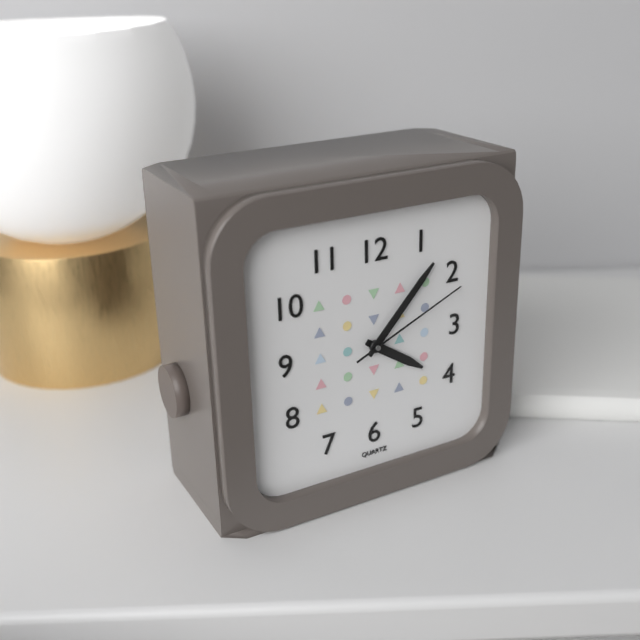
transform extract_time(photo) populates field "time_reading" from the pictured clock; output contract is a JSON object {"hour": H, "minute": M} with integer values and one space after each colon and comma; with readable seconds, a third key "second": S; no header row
{"hour": 4, "minute": 7, "second": 11}
